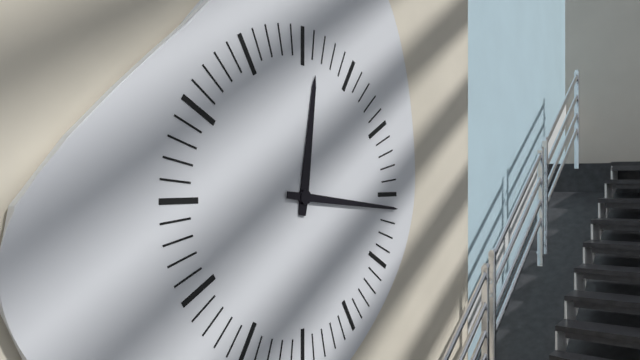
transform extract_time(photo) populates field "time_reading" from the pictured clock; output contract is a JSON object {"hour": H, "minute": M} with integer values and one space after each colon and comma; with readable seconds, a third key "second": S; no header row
{"hour": 12, "minute": 16}
